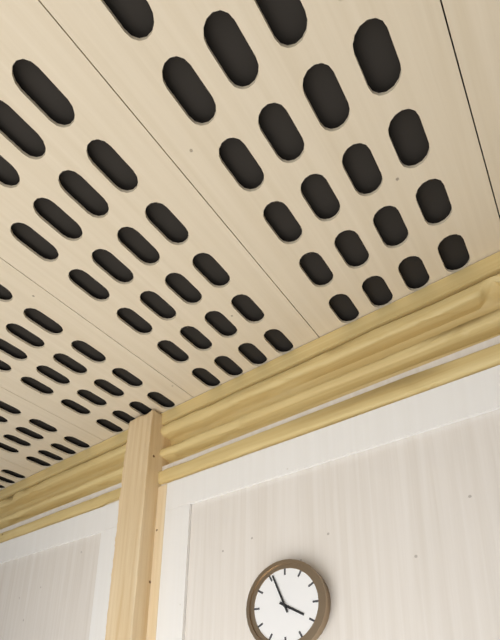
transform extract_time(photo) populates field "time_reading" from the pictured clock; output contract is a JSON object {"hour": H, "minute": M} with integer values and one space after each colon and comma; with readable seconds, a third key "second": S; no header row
{"hour": 3, "minute": 56}
